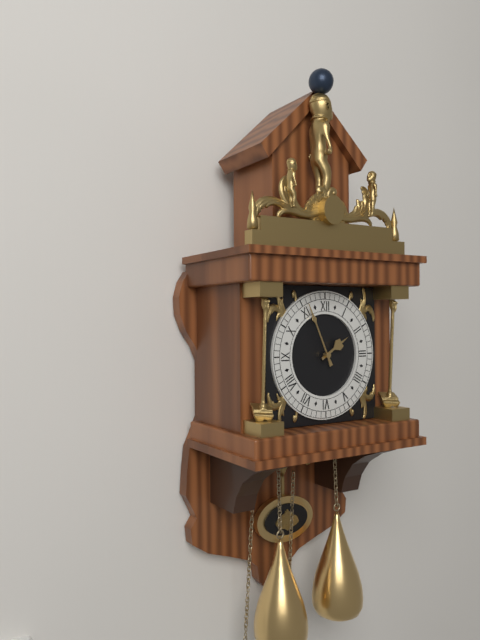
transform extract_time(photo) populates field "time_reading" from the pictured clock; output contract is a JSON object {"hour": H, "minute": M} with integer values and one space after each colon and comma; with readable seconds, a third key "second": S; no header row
{"hour": 1, "minute": 56}
